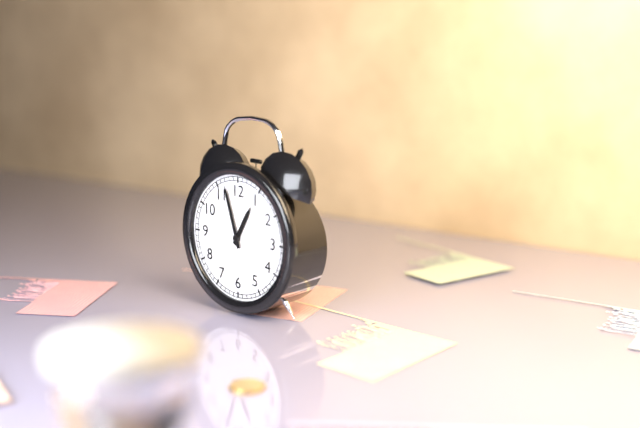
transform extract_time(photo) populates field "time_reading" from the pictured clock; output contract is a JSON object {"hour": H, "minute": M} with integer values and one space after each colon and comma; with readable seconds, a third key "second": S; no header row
{"hour": 12, "minute": 57}
